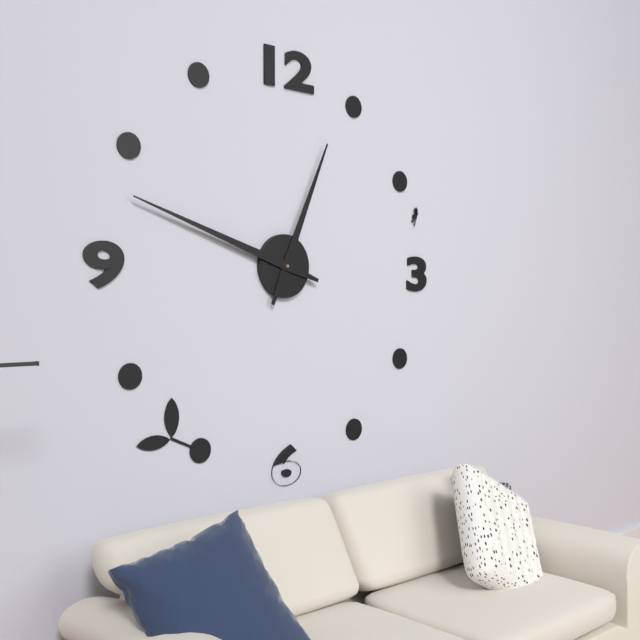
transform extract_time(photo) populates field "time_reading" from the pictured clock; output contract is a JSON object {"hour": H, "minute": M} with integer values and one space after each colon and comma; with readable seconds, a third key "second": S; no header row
{"hour": 12, "minute": 48}
